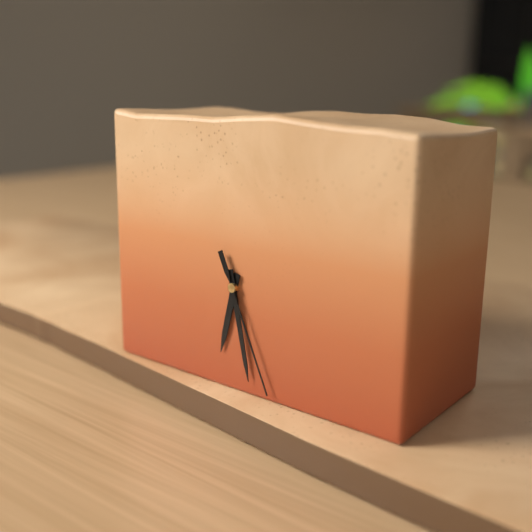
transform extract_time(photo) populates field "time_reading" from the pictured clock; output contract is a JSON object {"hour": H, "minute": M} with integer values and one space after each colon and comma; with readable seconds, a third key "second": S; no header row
{"hour": 6, "minute": 28, "second": 26}
